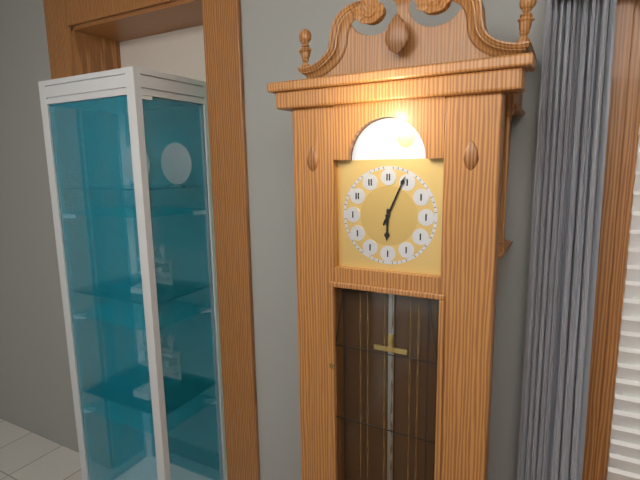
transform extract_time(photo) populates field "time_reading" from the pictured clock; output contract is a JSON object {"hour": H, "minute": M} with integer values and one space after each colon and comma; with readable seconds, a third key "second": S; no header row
{"hour": 6, "minute": 4}
